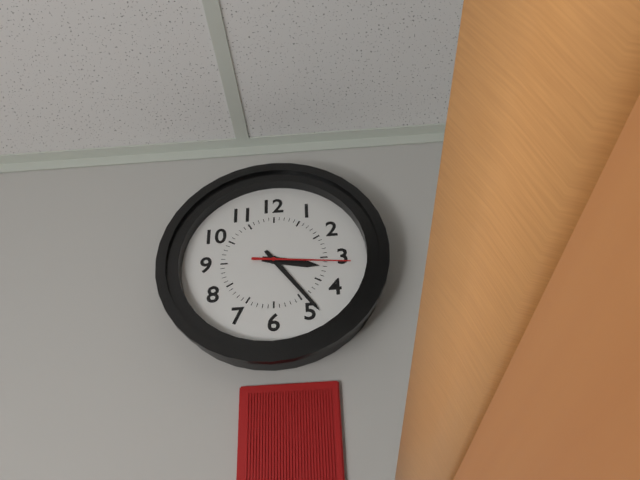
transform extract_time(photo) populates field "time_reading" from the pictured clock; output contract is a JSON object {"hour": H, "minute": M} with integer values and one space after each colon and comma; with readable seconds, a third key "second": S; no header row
{"hour": 3, "minute": 24, "second": 16}
